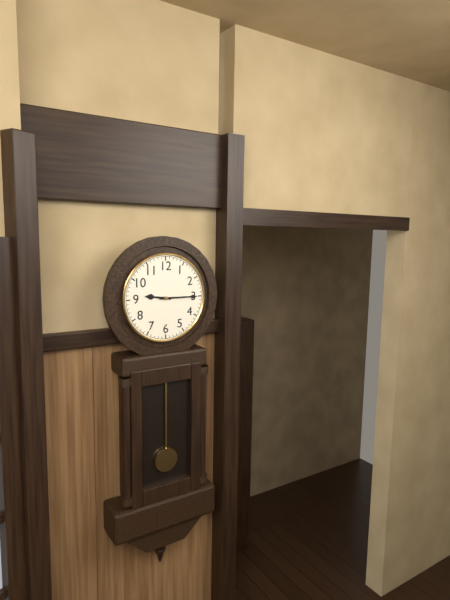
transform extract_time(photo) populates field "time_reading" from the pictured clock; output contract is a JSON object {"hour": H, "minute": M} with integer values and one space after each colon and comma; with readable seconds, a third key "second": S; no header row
{"hour": 9, "minute": 15}
